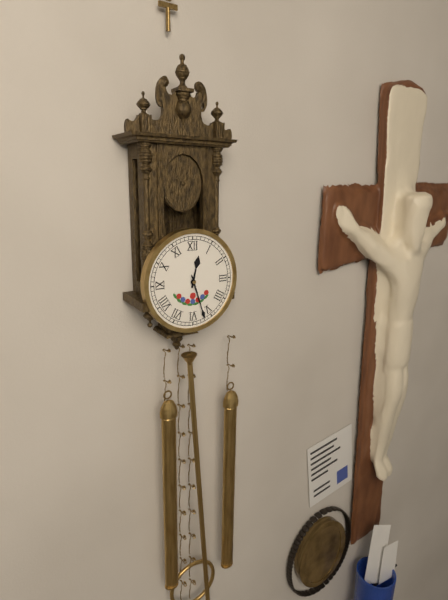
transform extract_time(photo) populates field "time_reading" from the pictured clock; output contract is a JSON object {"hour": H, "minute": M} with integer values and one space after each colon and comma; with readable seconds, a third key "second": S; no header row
{"hour": 12, "minute": 27}
